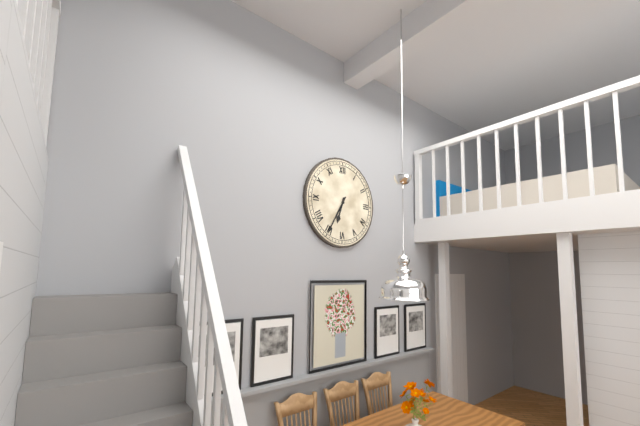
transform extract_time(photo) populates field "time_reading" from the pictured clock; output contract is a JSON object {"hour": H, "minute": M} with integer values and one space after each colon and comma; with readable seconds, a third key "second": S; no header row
{"hour": 6, "minute": 35}
